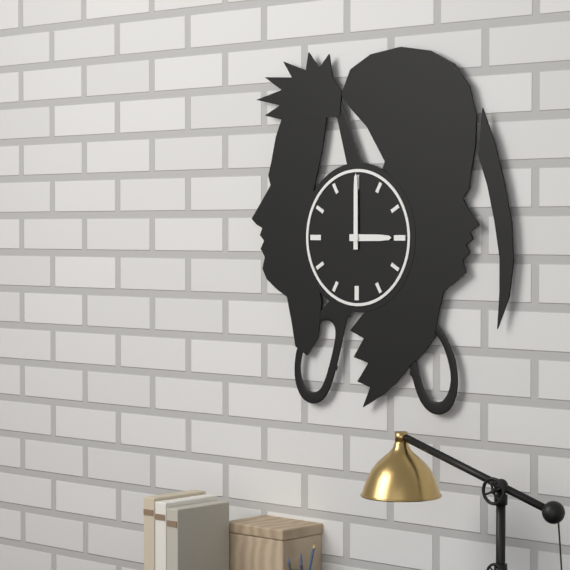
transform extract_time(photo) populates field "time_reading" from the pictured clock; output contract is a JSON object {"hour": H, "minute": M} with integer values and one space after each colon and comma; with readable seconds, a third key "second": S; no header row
{"hour": 3, "minute": 0}
